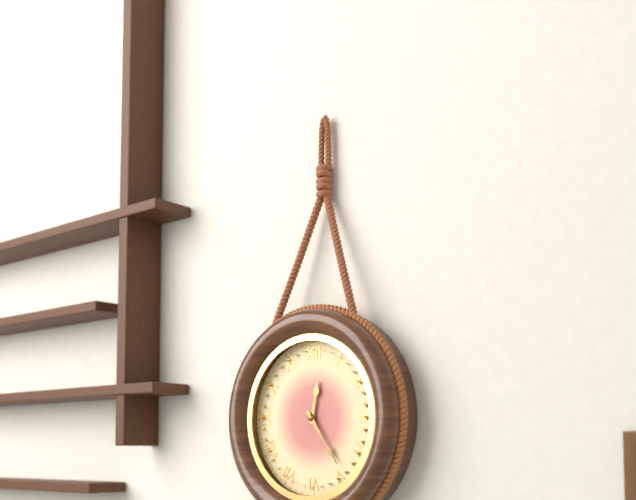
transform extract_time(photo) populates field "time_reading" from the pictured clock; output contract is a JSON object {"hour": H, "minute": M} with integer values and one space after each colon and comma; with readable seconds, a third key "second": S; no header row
{"hour": 12, "minute": 24}
